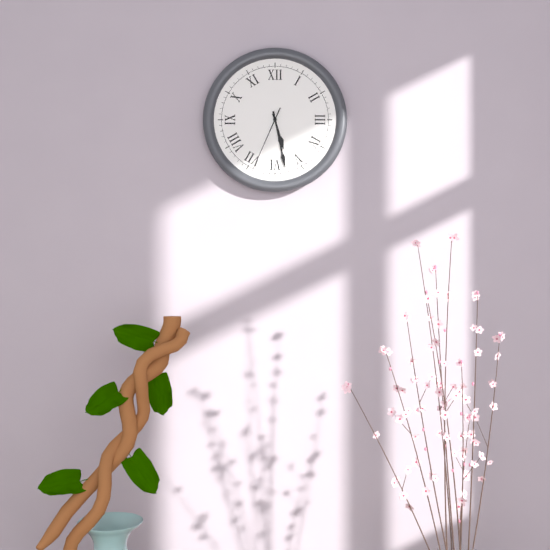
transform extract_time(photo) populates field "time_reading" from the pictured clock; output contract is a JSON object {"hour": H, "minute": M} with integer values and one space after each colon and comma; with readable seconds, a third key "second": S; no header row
{"hour": 5, "minute": 28, "second": 34}
